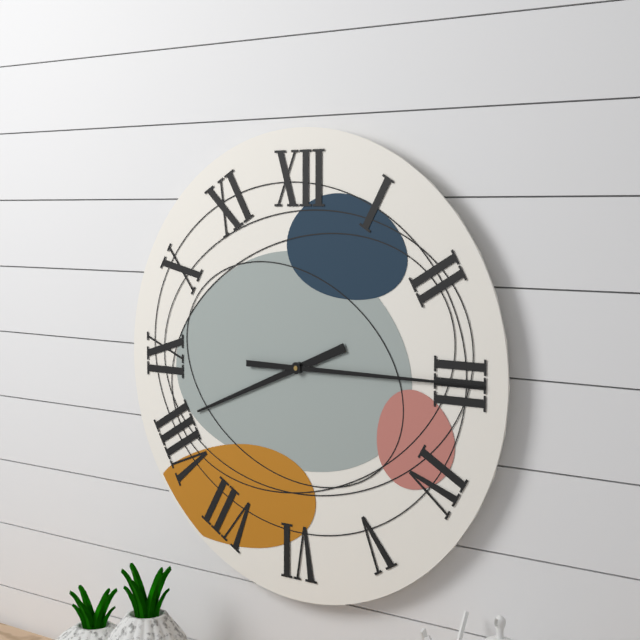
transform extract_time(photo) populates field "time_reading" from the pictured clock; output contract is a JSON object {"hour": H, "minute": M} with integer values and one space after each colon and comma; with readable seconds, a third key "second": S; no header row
{"hour": 8, "minute": 15}
